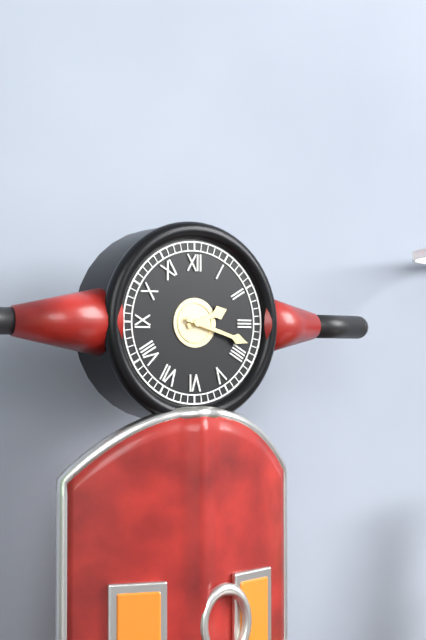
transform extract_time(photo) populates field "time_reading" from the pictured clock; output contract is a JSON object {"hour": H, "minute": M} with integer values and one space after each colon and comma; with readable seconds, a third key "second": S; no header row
{"hour": 2, "minute": 18}
